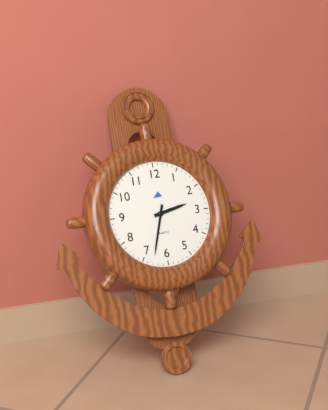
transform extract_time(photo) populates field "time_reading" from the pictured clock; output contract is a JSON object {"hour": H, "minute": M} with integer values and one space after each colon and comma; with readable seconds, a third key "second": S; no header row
{"hour": 2, "minute": 33}
